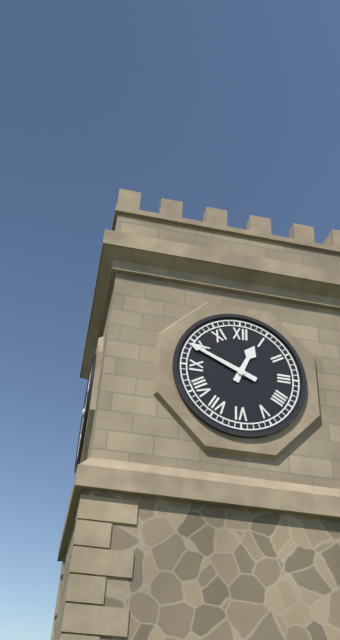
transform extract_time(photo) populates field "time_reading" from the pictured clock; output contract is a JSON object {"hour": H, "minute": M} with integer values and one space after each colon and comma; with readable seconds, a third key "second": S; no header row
{"hour": 12, "minute": 49}
